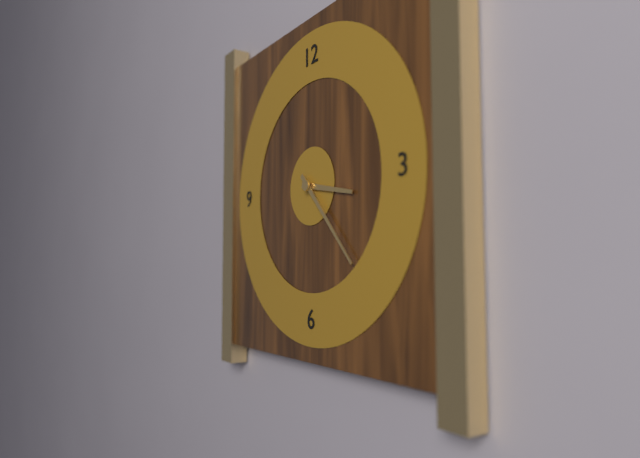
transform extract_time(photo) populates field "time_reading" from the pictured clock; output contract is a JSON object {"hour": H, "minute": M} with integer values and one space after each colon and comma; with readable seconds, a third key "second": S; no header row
{"hour": 3, "minute": 23}
